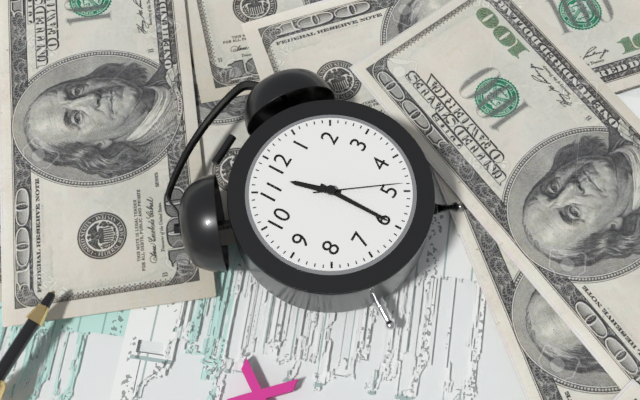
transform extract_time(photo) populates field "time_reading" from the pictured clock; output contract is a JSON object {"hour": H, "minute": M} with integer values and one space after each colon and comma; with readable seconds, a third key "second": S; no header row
{"hour": 11, "minute": 30, "second": 24}
